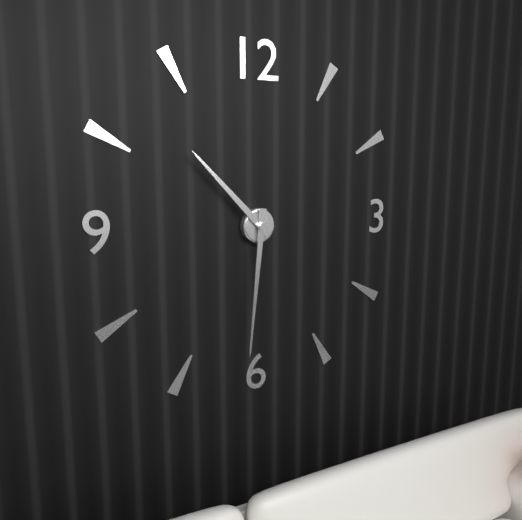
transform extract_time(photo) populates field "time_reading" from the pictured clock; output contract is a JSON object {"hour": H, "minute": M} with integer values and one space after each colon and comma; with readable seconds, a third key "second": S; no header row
{"hour": 10, "minute": 31}
